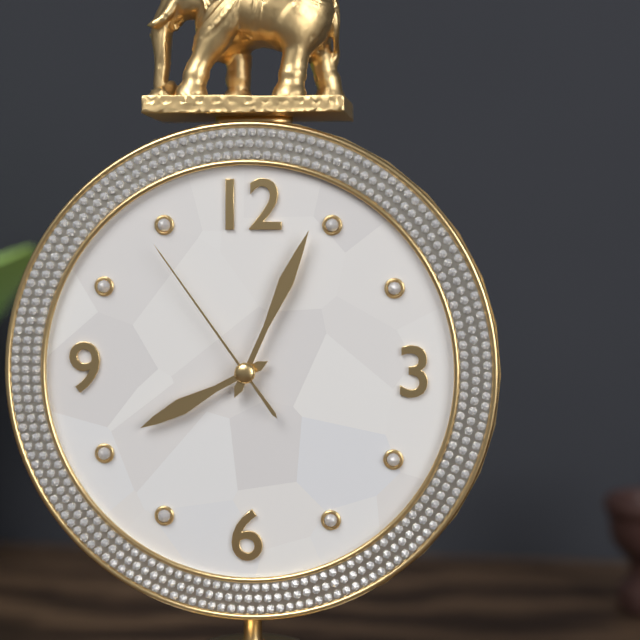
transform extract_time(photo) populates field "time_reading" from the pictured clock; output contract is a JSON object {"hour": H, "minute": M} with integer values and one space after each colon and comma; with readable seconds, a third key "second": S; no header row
{"hour": 8, "minute": 4, "second": 54}
